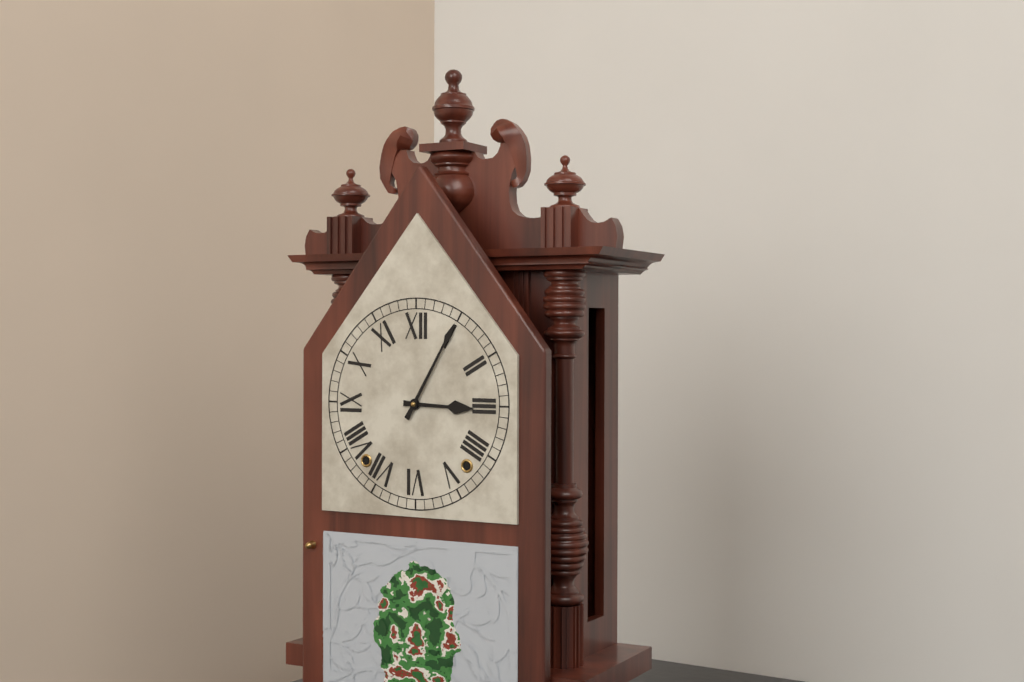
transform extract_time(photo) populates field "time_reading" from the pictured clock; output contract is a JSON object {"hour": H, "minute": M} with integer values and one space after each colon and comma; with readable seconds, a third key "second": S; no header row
{"hour": 3, "minute": 5}
